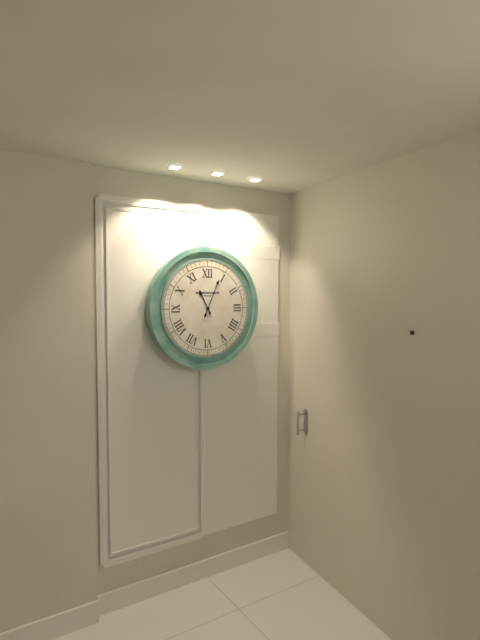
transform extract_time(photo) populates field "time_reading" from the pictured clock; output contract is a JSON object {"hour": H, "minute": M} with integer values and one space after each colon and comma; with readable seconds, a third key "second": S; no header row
{"hour": 11, "minute": 4}
